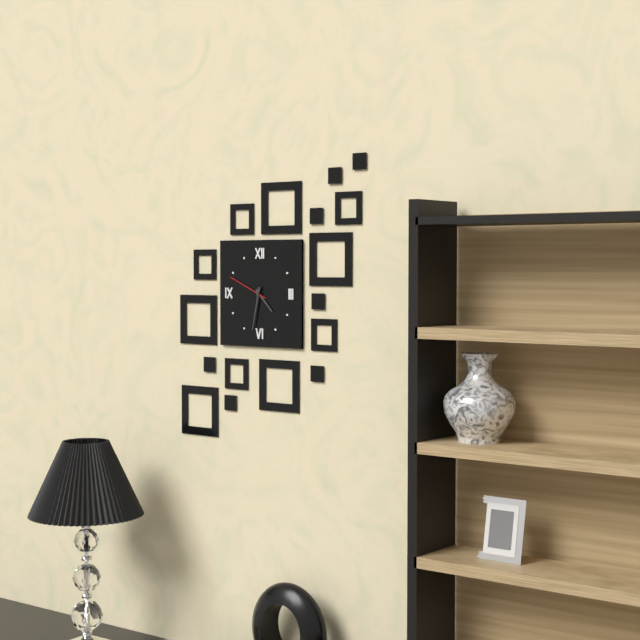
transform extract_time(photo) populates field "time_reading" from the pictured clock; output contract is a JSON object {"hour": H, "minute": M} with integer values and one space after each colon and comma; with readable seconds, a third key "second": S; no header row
{"hour": 4, "minute": 32}
